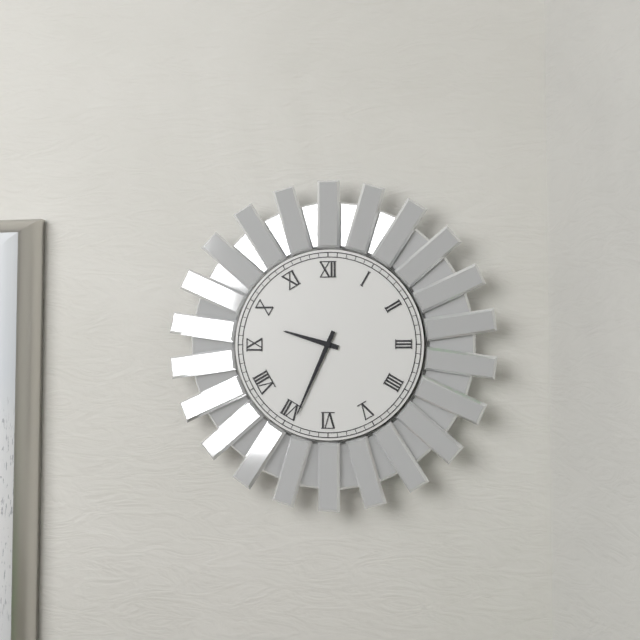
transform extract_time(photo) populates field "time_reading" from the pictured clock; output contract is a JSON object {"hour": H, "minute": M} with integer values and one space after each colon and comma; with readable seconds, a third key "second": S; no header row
{"hour": 9, "minute": 34}
